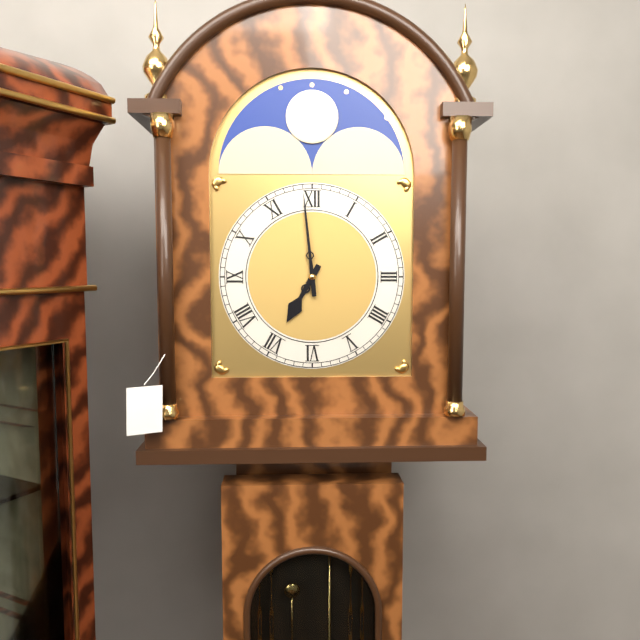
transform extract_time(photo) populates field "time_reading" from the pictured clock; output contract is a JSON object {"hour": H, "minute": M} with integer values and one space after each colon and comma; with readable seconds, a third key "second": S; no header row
{"hour": 6, "minute": 59}
